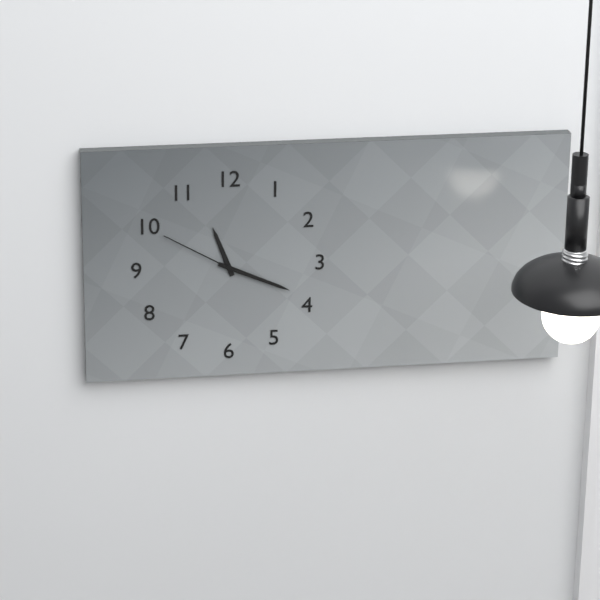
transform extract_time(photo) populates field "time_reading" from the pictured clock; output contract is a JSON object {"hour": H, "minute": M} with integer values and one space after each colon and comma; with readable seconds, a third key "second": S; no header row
{"hour": 11, "minute": 19, "second": 50}
